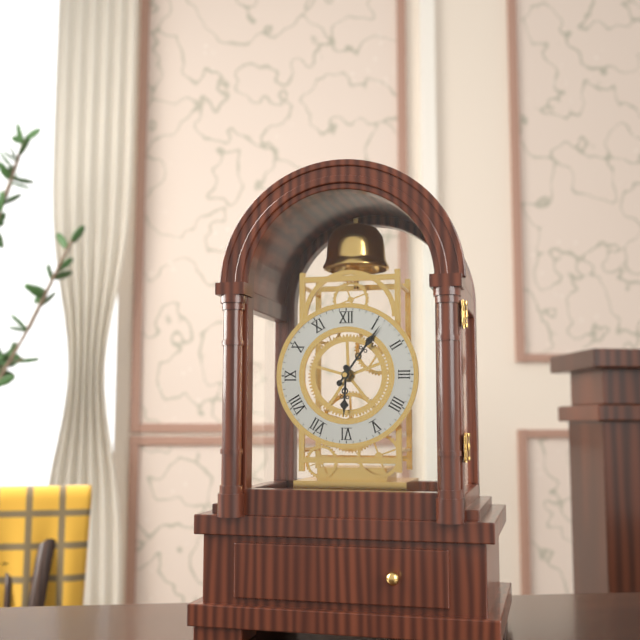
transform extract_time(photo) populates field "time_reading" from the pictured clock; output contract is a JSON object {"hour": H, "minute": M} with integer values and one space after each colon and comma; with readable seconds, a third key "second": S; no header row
{"hour": 6, "minute": 6}
